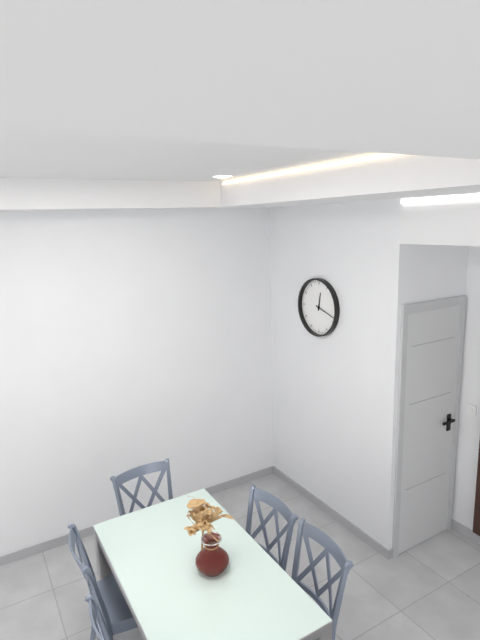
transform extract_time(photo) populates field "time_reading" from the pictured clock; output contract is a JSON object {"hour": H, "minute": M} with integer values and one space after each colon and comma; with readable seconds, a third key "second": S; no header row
{"hour": 12, "minute": 18}
